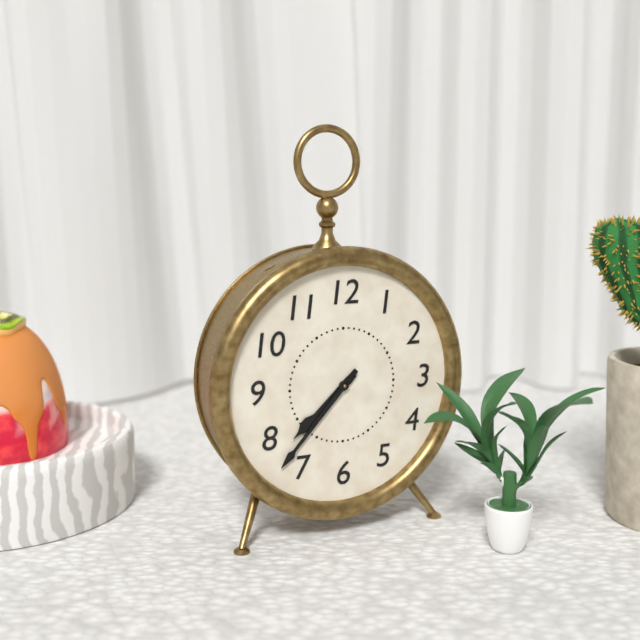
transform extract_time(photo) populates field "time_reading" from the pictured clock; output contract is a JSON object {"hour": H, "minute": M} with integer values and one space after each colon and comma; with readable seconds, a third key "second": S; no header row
{"hour": 7, "minute": 37}
